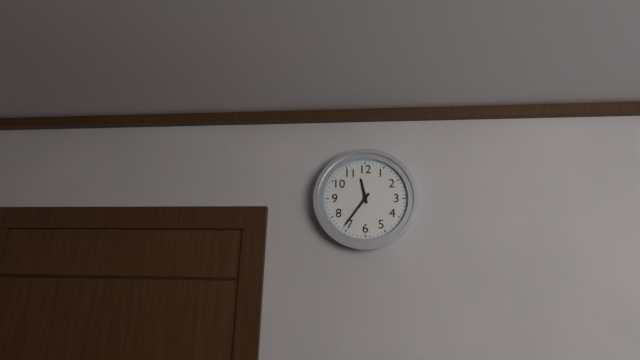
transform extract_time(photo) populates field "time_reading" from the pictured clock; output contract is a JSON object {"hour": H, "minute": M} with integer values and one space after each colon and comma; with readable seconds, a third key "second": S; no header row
{"hour": 11, "minute": 36}
